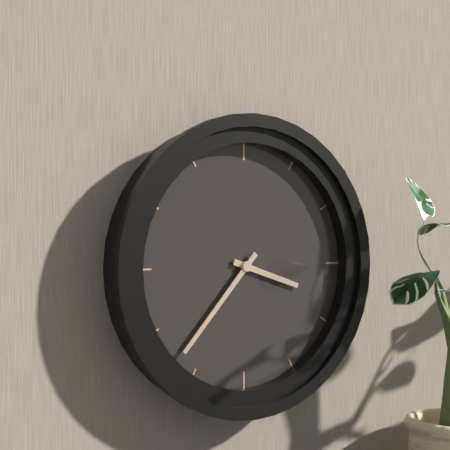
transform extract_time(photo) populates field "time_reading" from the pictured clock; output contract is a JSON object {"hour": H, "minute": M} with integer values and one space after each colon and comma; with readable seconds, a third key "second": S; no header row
{"hour": 3, "minute": 37}
